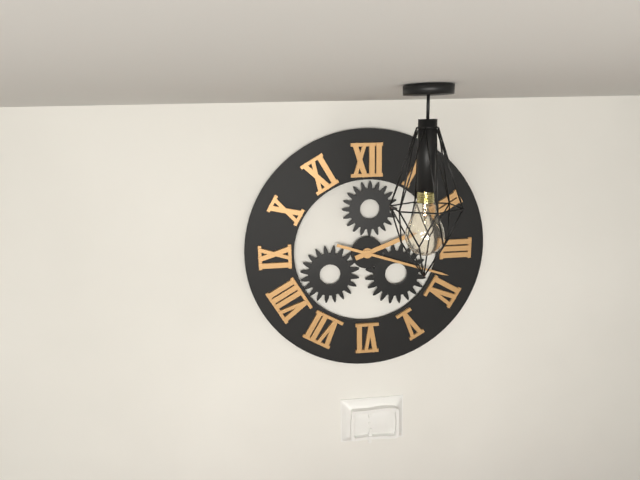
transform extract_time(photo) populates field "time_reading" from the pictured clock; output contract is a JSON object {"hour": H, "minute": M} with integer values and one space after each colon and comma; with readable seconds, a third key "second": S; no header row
{"hour": 2, "minute": 18}
